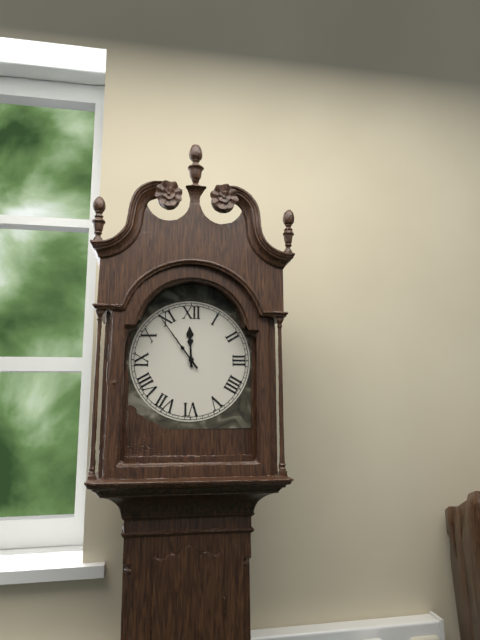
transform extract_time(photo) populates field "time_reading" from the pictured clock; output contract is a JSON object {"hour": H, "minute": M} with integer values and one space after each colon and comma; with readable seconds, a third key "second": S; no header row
{"hour": 11, "minute": 54}
